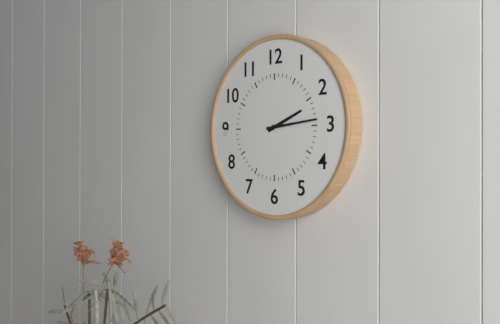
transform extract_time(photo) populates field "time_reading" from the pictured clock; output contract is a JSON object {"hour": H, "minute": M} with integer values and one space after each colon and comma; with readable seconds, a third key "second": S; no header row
{"hour": 2, "minute": 14}
